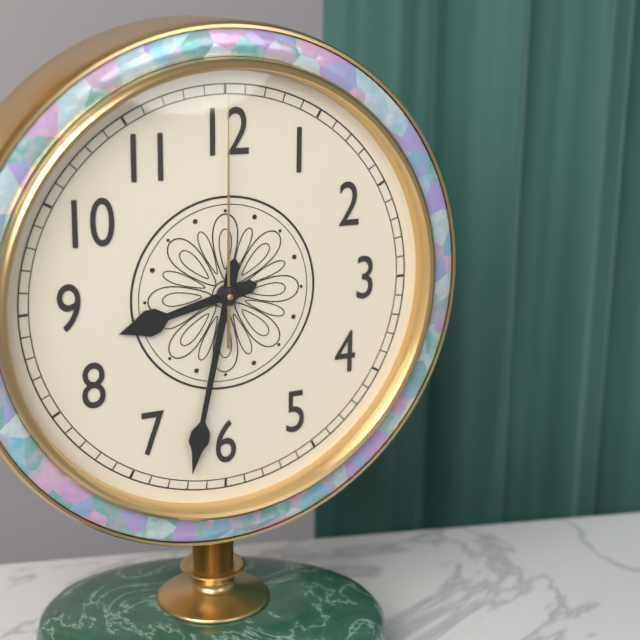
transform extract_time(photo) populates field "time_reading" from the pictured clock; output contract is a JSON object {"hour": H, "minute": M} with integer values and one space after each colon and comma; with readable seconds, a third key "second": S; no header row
{"hour": 8, "minute": 32, "second": 0}
